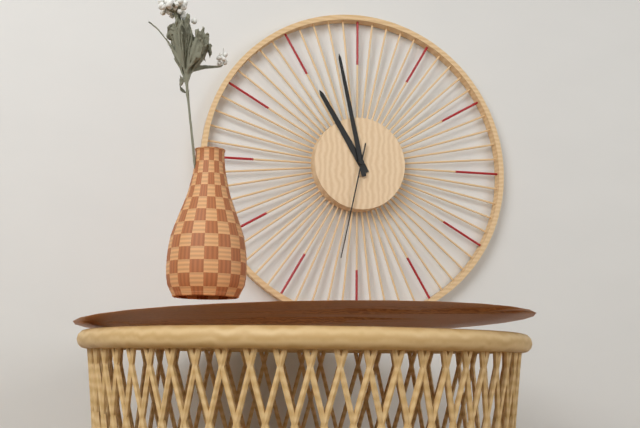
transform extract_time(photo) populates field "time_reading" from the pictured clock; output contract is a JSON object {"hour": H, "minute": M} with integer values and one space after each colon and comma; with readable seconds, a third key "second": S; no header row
{"hour": 10, "minute": 58, "second": 32}
